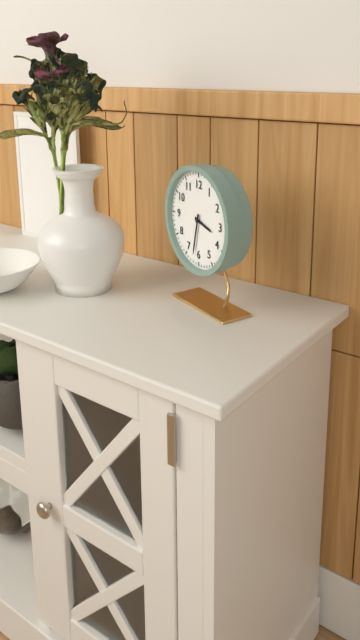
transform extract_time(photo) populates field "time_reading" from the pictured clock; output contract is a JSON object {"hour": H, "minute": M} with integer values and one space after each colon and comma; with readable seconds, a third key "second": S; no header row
{"hour": 3, "minute": 32}
